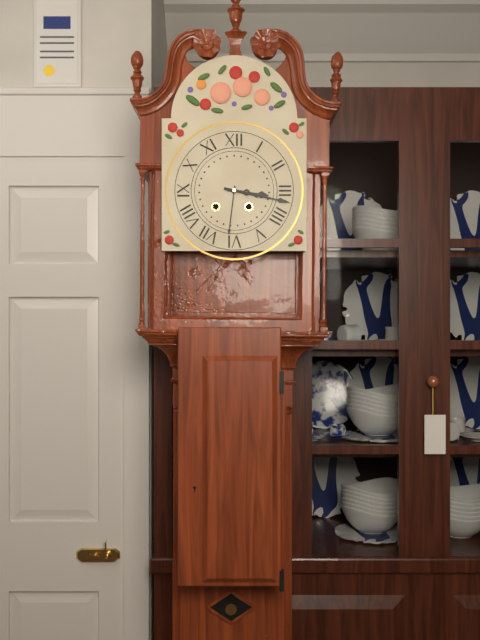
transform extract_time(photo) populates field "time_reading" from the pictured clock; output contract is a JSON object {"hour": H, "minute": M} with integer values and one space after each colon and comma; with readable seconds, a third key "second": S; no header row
{"hour": 3, "minute": 17}
